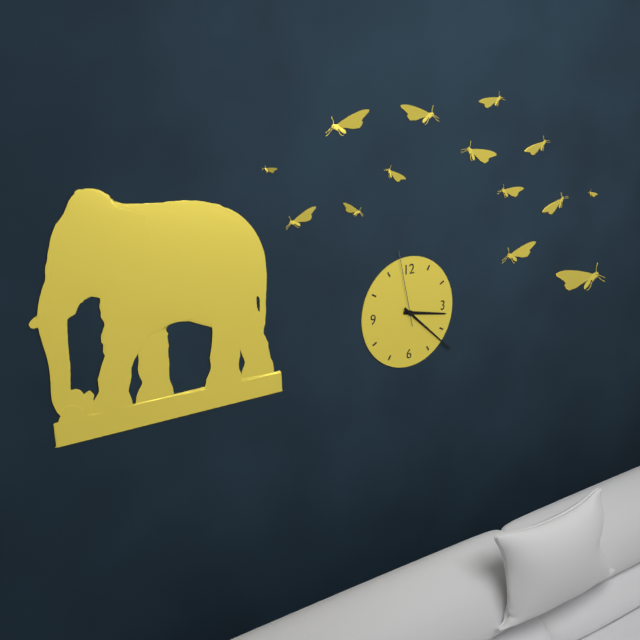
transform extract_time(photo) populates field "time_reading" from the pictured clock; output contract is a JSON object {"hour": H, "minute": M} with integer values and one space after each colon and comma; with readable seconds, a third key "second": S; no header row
{"hour": 3, "minute": 22, "second": 58}
